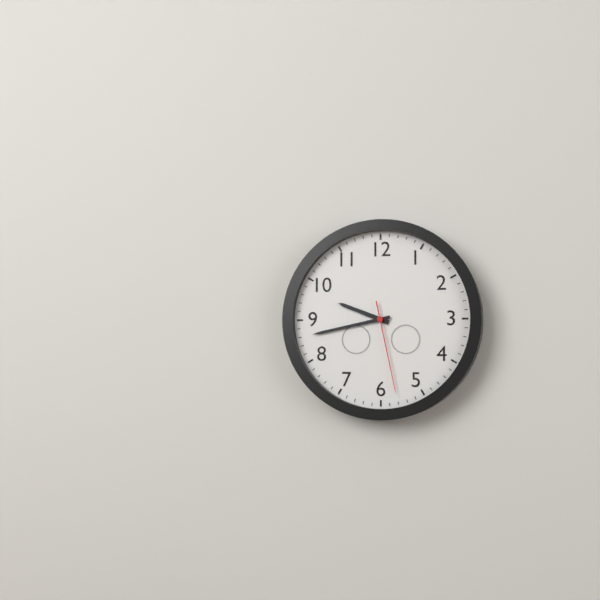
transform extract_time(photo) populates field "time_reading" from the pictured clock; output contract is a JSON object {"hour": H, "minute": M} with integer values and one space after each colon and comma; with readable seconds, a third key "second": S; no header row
{"hour": 9, "minute": 43, "second": 28}
